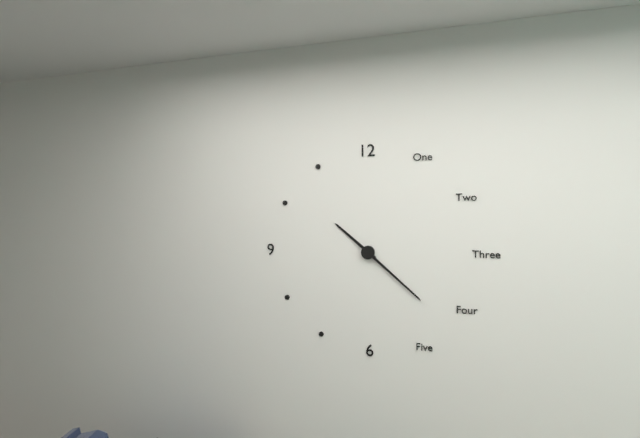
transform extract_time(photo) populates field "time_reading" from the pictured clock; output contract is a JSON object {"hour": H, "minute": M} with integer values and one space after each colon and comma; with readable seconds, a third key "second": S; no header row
{"hour": 10, "minute": 22}
